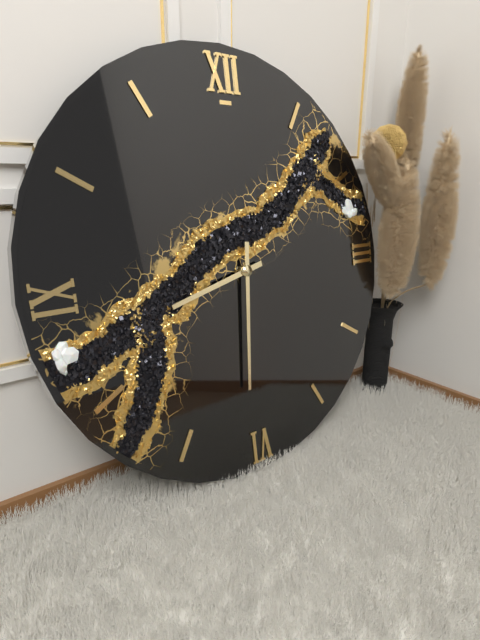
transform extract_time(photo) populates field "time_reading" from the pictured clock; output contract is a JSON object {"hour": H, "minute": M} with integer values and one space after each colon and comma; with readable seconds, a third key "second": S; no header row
{"hour": 8, "minute": 31}
